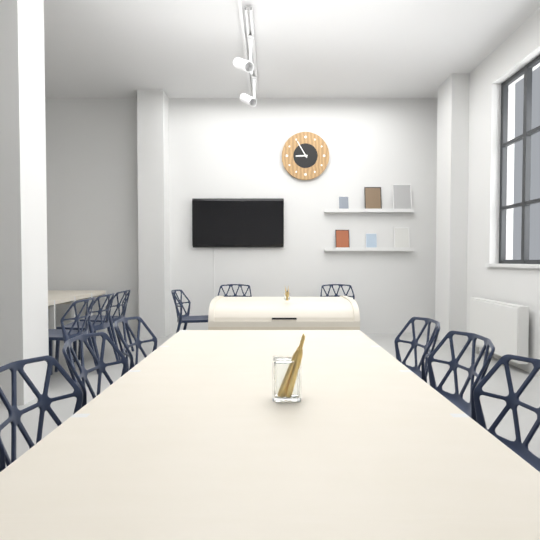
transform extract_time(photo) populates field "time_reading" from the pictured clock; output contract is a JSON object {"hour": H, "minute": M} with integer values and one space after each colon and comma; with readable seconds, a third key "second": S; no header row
{"hour": 8, "minute": 55}
